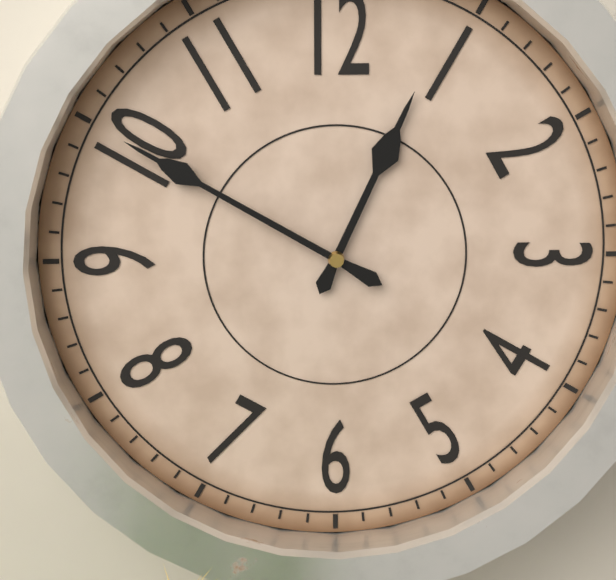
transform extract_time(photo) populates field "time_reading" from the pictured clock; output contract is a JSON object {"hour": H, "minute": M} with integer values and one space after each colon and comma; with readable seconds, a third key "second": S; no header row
{"hour": 12, "minute": 50}
